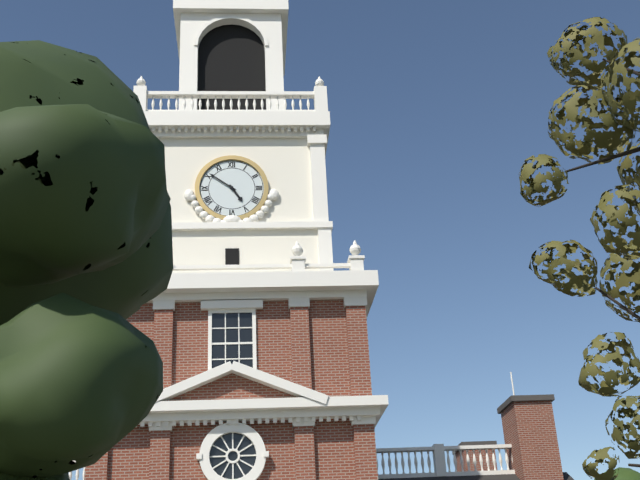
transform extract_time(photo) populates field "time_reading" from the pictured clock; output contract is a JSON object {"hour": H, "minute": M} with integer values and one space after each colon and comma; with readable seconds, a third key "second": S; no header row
{"hour": 4, "minute": 51}
